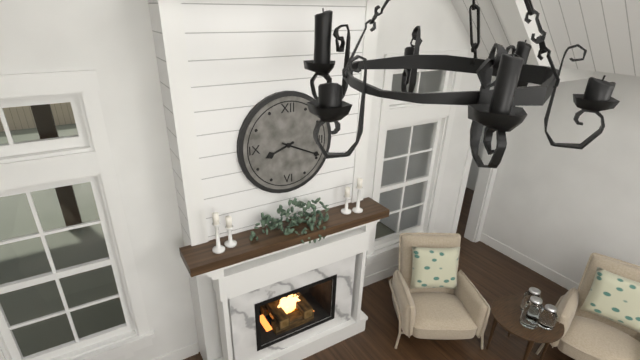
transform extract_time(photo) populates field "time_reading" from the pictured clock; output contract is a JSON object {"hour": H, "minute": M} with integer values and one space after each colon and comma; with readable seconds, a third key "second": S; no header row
{"hour": 8, "minute": 19}
